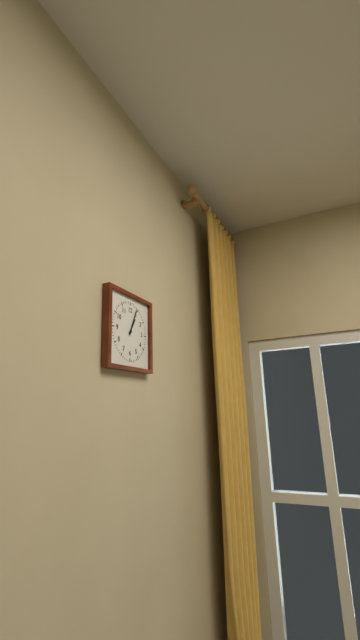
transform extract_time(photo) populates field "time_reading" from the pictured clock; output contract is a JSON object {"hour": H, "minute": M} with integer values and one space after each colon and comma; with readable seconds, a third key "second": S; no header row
{"hour": 1, "minute": 4}
